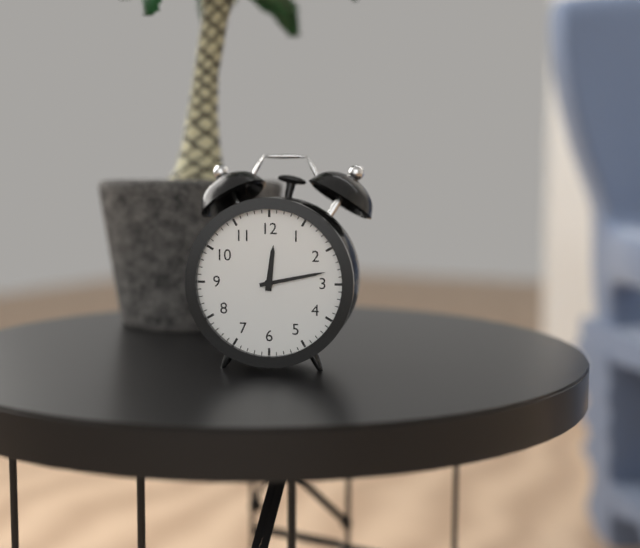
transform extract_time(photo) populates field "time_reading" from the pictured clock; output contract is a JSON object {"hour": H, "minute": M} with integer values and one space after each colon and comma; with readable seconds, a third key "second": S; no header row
{"hour": 12, "minute": 13}
